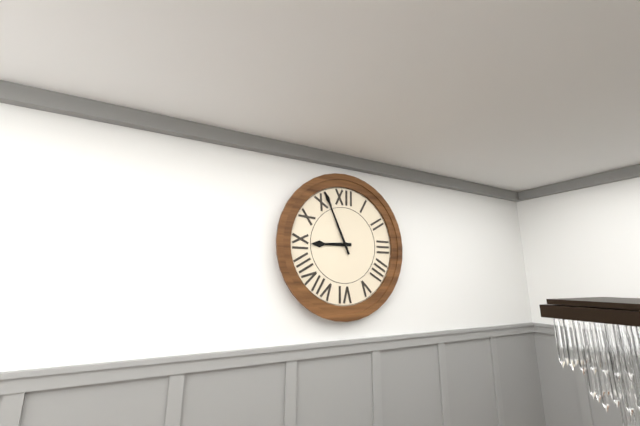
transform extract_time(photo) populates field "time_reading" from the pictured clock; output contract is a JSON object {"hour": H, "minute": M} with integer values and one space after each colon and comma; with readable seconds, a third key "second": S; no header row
{"hour": 8, "minute": 56}
